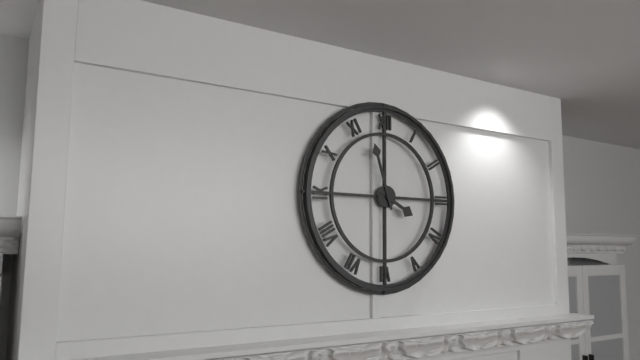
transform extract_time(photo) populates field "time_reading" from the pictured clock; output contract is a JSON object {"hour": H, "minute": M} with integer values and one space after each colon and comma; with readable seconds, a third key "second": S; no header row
{"hour": 3, "minute": 57}
